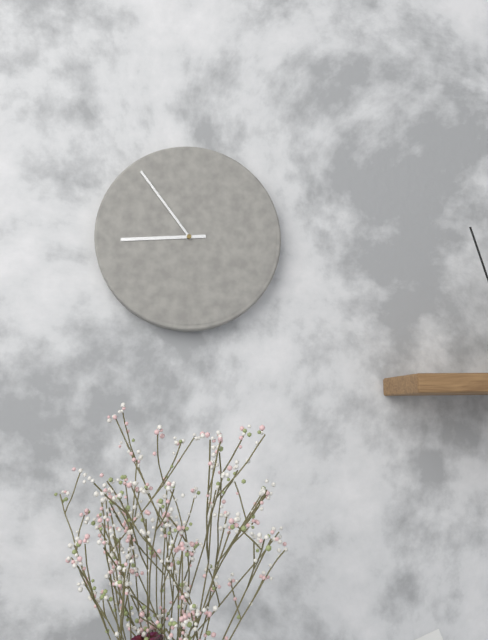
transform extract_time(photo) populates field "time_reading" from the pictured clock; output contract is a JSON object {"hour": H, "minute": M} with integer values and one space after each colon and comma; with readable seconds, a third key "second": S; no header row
{"hour": 8, "minute": 54}
